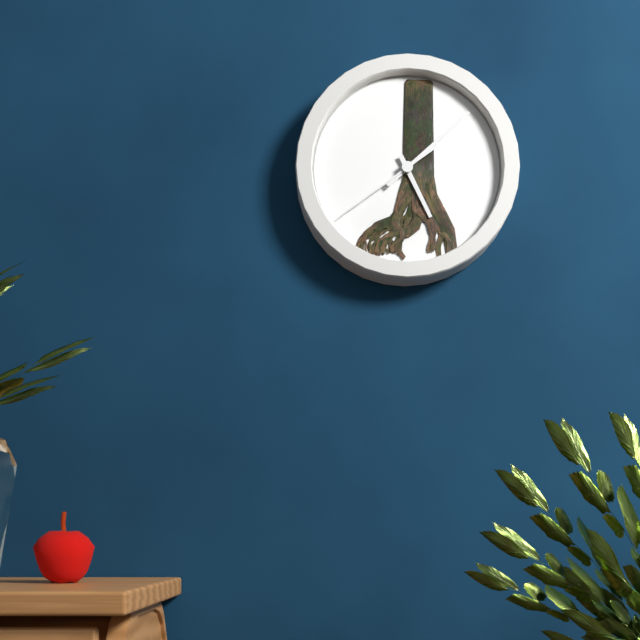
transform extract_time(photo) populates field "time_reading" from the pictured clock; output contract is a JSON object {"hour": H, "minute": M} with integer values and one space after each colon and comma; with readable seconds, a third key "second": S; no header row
{"hour": 5, "minute": 8, "second": 39}
